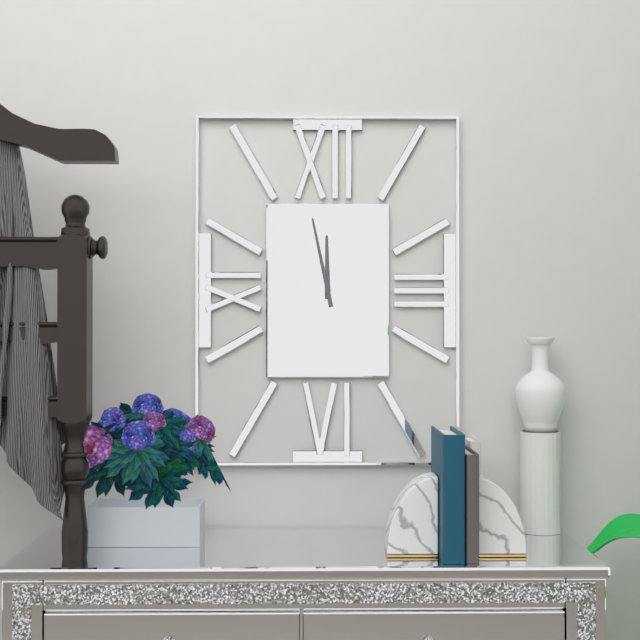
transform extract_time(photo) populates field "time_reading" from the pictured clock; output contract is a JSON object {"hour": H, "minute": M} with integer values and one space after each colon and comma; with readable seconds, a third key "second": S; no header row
{"hour": 11, "minute": 58}
